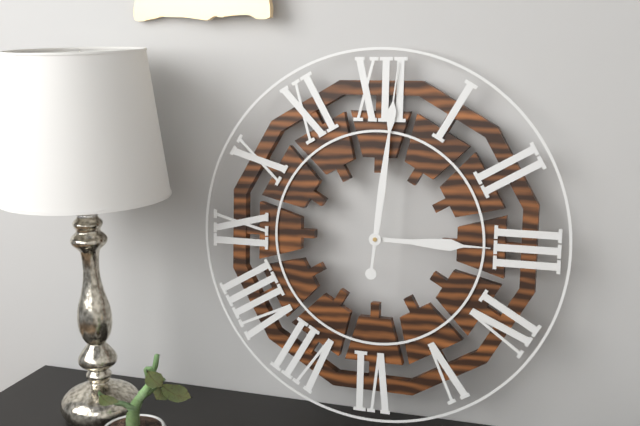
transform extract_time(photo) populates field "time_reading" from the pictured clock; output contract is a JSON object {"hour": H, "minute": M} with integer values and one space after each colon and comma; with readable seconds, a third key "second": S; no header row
{"hour": 3, "minute": 1}
